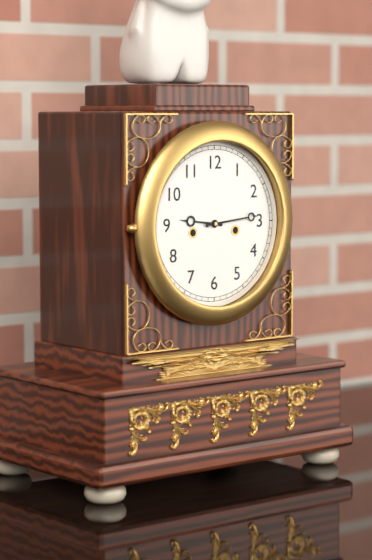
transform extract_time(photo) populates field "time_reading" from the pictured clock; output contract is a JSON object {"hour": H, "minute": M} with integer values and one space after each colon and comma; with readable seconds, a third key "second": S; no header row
{"hour": 9, "minute": 14}
